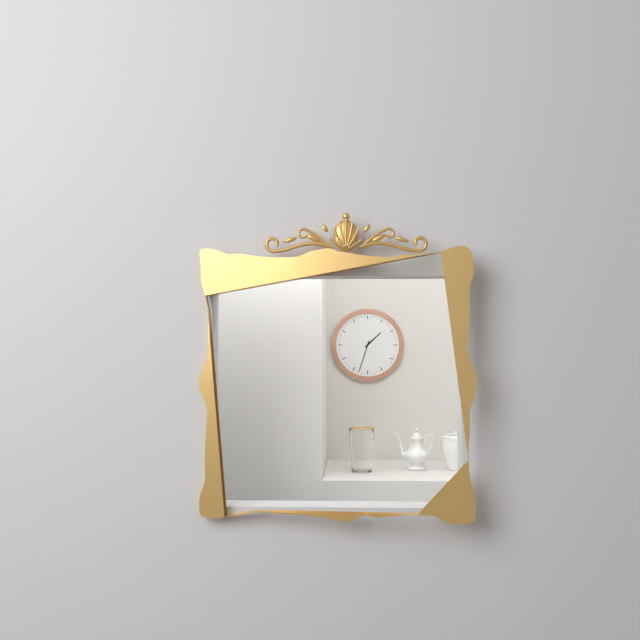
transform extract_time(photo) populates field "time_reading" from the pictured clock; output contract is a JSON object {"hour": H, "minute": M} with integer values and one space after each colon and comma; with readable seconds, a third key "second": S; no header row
{"hour": 1, "minute": 33}
